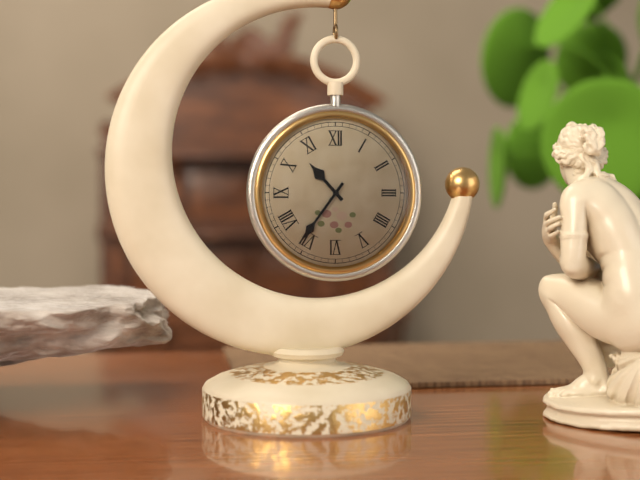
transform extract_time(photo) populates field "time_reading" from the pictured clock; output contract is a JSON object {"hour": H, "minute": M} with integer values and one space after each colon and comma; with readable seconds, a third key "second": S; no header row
{"hour": 10, "minute": 36}
